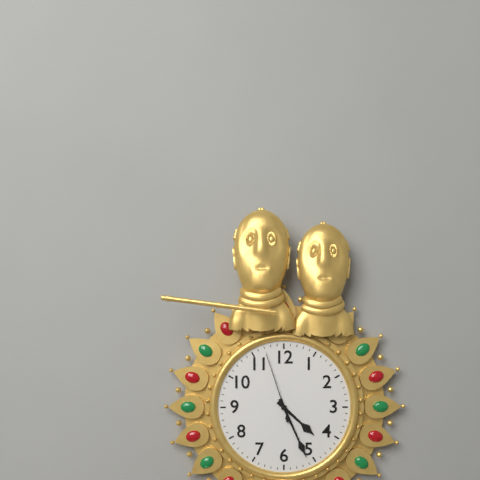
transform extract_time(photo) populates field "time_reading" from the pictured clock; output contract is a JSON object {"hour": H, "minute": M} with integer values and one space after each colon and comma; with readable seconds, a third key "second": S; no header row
{"hour": 4, "minute": 26, "second": 57}
